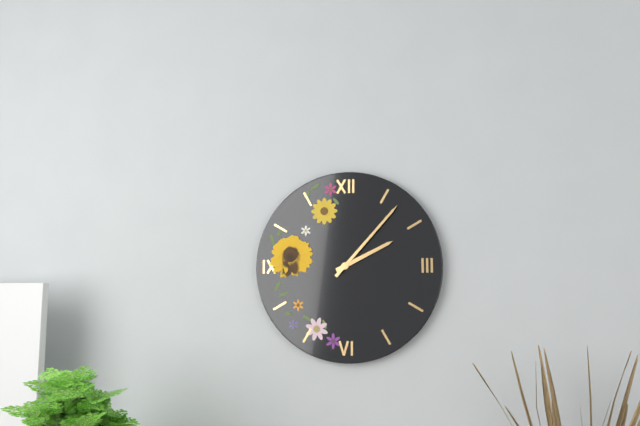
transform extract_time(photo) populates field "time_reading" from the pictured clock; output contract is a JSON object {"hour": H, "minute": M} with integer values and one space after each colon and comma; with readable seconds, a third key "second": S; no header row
{"hour": 2, "minute": 7}
